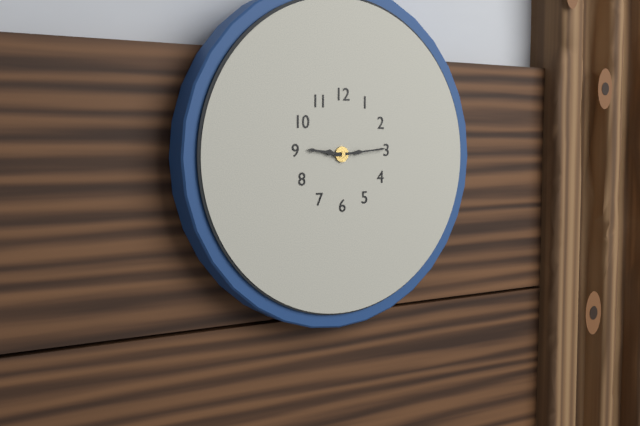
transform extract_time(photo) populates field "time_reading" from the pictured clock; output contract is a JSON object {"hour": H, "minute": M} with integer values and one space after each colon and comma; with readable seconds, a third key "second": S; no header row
{"hour": 9, "minute": 14}
